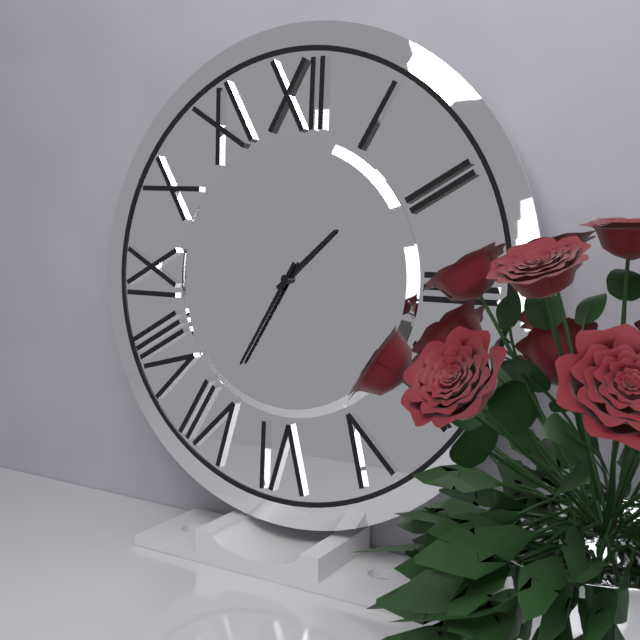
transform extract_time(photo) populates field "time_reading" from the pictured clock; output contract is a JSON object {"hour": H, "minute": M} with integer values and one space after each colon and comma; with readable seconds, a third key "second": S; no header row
{"hour": 1, "minute": 35}
